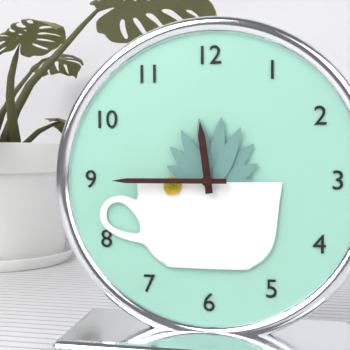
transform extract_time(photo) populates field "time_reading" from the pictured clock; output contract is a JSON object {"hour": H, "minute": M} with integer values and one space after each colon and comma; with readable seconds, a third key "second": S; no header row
{"hour": 11, "minute": 45}
